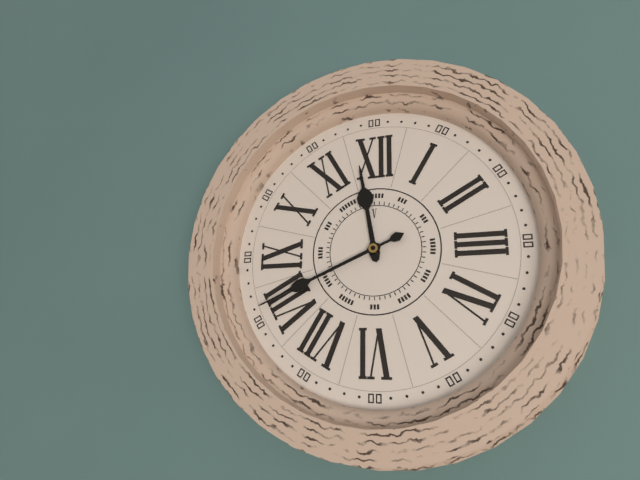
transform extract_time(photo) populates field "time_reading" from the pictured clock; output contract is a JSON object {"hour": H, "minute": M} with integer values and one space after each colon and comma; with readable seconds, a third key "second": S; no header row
{"hour": 11, "minute": 41}
